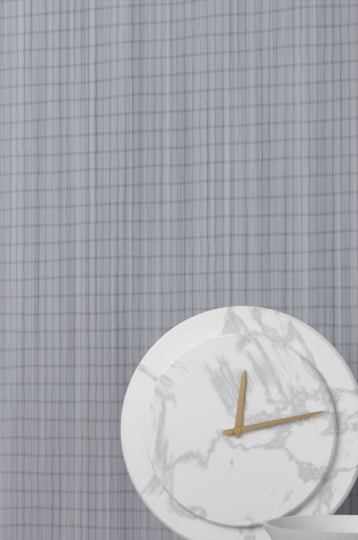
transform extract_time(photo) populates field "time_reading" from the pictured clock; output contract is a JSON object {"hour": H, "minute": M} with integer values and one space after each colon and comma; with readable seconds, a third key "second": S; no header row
{"hour": 12, "minute": 13}
